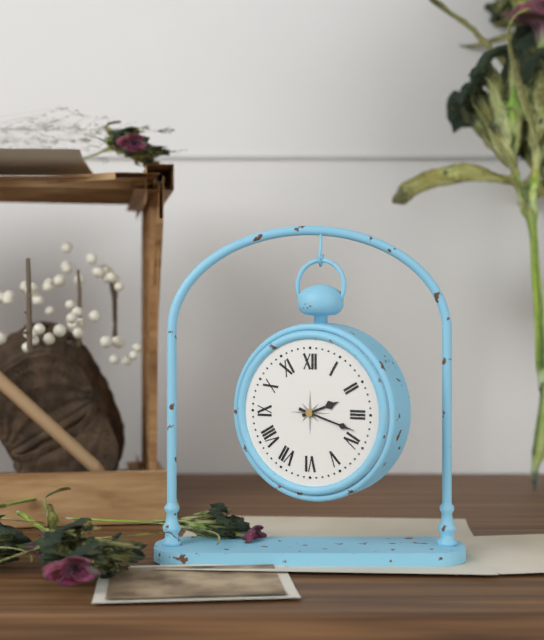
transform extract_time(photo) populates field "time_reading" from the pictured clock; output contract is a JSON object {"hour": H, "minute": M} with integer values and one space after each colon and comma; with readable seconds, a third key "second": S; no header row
{"hour": 2, "minute": 18}
